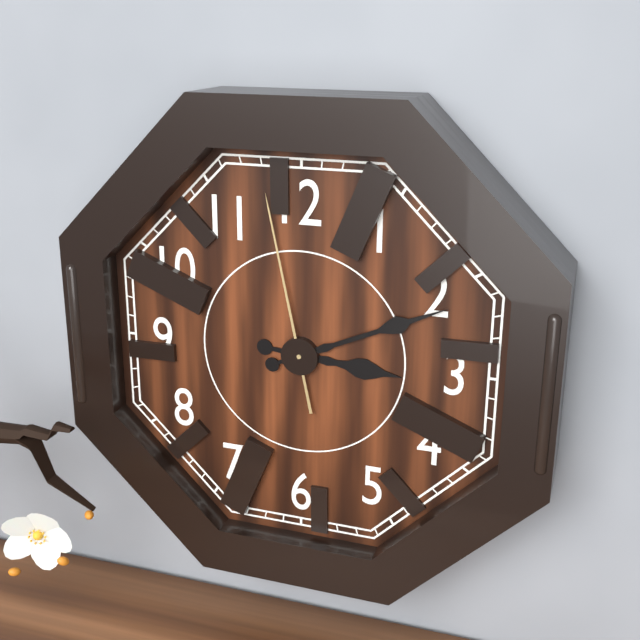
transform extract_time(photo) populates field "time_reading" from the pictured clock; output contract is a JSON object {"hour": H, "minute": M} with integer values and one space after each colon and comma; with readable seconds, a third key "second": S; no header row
{"hour": 3, "minute": 11, "second": 58}
